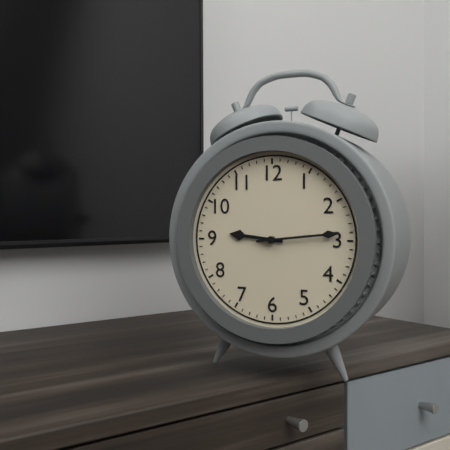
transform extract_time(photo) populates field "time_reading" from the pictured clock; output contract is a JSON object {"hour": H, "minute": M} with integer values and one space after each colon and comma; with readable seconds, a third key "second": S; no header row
{"hour": 9, "minute": 14}
